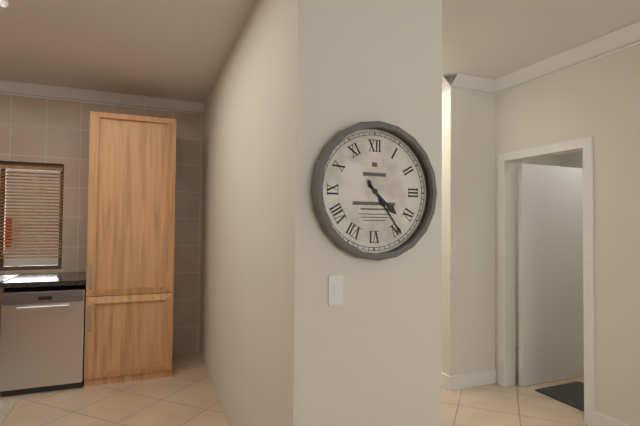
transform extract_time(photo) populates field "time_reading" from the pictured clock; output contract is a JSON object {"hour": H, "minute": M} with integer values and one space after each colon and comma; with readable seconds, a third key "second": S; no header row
{"hour": 4, "minute": 24}
